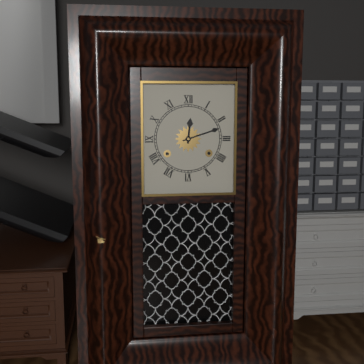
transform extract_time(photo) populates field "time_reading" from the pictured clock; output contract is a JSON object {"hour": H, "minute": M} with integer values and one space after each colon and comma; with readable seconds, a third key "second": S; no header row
{"hour": 12, "minute": 12}
